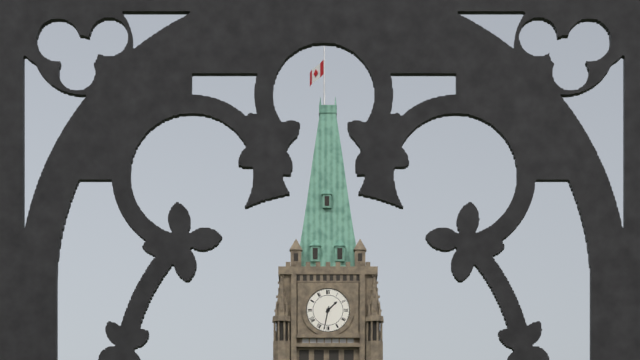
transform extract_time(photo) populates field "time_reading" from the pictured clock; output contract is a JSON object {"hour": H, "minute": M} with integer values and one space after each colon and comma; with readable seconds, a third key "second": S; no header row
{"hour": 1, "minute": 32}
